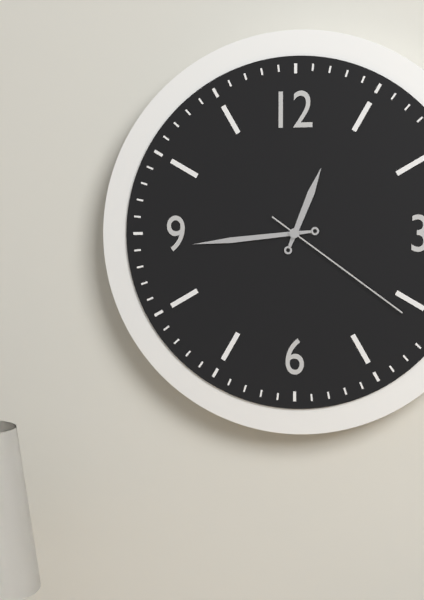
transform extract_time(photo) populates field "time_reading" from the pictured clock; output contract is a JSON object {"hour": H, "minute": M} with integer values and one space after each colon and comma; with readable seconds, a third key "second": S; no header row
{"hour": 12, "minute": 44, "second": 21}
